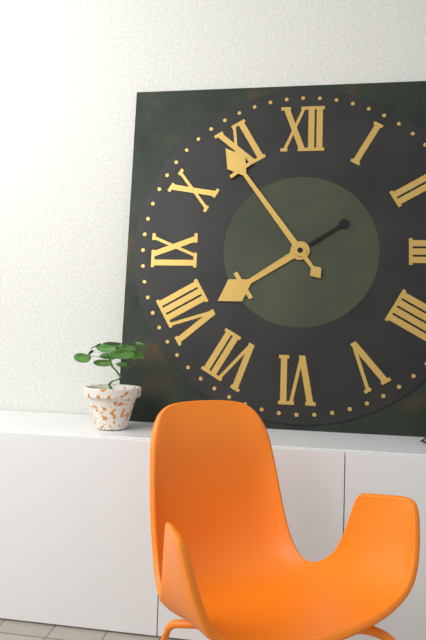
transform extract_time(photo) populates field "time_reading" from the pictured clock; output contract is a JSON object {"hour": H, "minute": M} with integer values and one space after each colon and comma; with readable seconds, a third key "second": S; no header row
{"hour": 7, "minute": 54}
